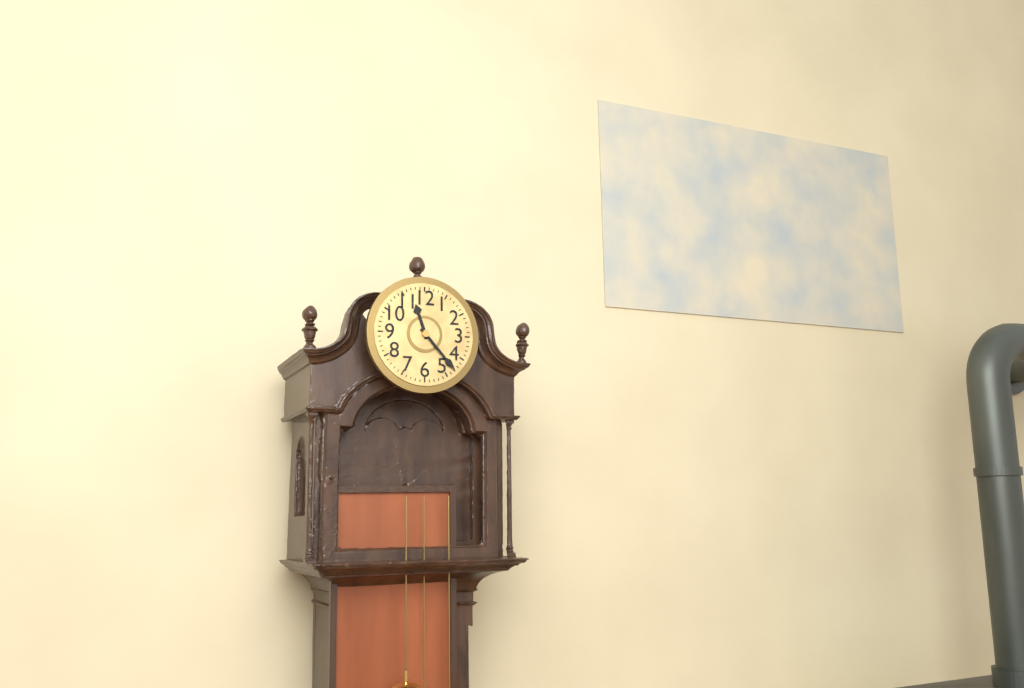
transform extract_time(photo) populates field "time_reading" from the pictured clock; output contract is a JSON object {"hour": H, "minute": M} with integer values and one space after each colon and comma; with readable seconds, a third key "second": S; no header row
{"hour": 11, "minute": 23}
